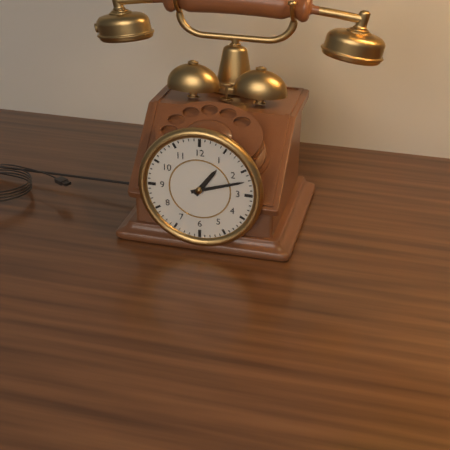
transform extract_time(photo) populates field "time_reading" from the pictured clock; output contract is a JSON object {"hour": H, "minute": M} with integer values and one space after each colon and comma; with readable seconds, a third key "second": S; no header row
{"hour": 1, "minute": 12}
